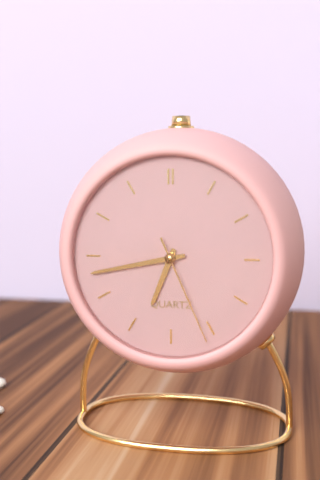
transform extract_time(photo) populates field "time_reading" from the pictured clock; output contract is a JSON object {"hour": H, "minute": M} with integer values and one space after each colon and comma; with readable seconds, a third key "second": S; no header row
{"hour": 6, "minute": 43, "second": 26}
